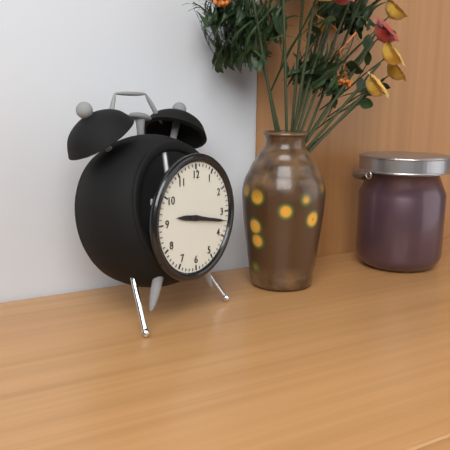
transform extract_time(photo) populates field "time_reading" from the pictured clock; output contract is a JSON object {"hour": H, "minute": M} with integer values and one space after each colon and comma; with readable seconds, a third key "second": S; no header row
{"hour": 9, "minute": 17}
